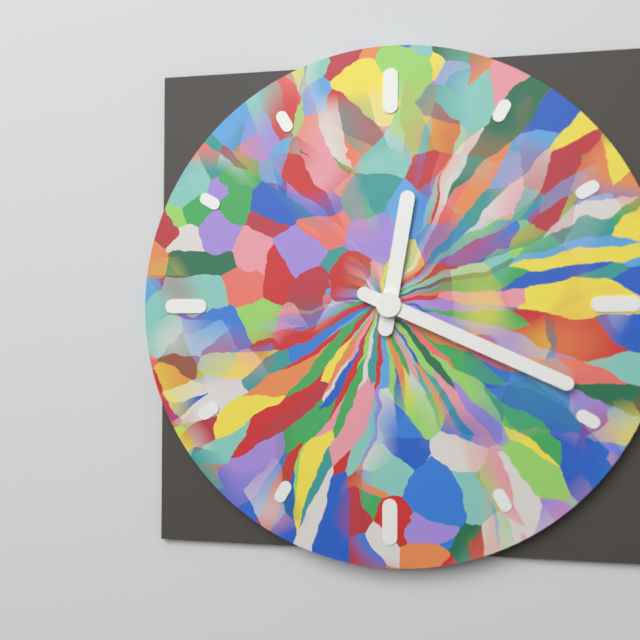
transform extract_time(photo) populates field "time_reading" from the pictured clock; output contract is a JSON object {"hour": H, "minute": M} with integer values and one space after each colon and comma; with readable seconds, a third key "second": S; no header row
{"hour": 12, "minute": 19}
